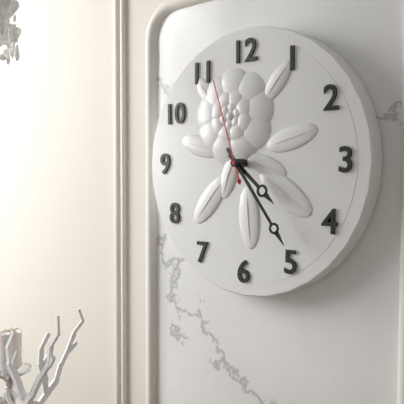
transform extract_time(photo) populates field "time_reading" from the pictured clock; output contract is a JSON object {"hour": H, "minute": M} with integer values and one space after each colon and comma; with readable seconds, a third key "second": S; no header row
{"hour": 4, "minute": 24, "second": 57}
